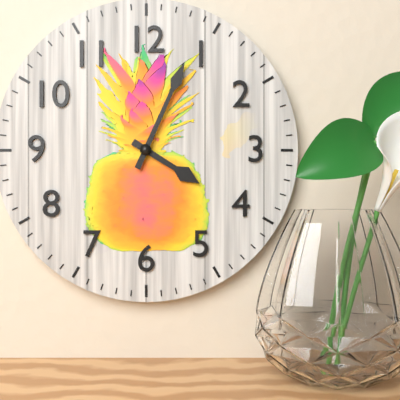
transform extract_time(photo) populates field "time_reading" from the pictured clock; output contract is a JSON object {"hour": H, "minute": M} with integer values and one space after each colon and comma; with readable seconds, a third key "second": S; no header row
{"hour": 4, "minute": 4}
